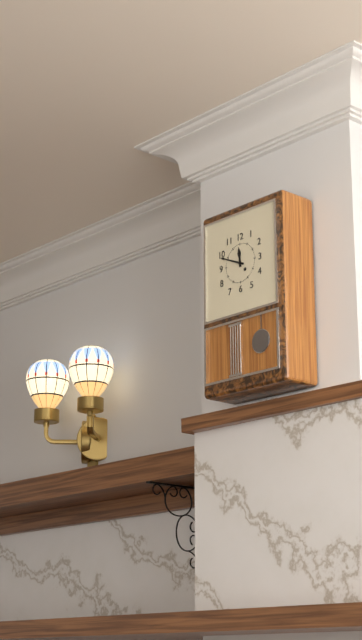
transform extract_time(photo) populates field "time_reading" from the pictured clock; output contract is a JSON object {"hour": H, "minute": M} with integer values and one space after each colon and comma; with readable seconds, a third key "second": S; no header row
{"hour": 11, "minute": 49}
